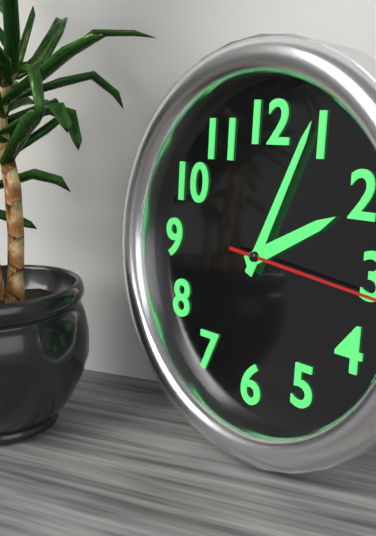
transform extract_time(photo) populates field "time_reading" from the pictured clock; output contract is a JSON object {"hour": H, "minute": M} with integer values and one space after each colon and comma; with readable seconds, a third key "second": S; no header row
{"hour": 2, "minute": 4}
